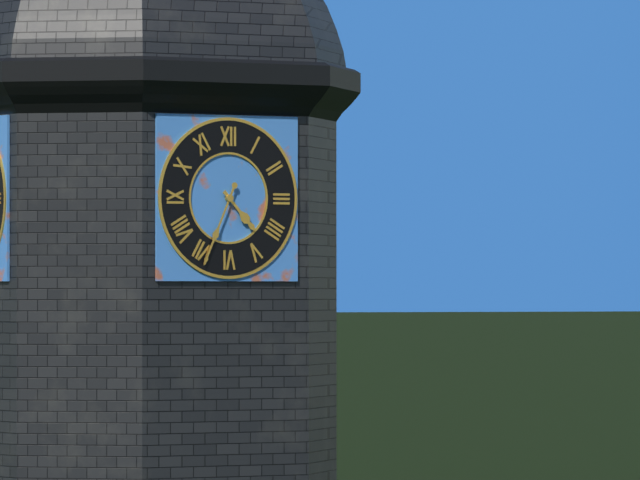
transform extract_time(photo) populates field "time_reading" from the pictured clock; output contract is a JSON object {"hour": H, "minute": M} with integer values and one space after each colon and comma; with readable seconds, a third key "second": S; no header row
{"hour": 4, "minute": 34}
